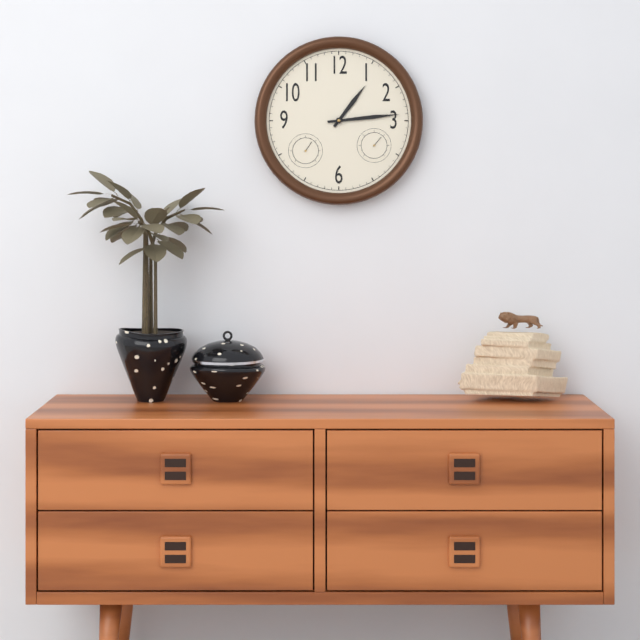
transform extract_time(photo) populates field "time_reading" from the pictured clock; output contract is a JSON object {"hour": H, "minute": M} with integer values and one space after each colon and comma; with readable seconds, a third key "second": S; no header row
{"hour": 1, "minute": 14}
